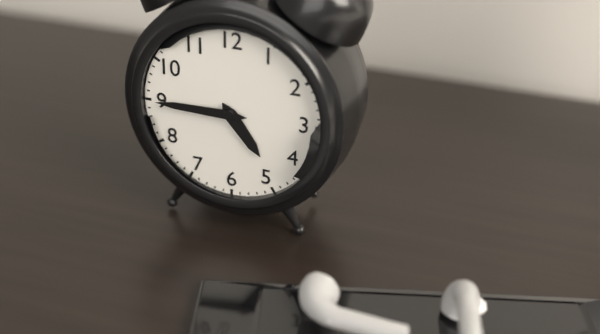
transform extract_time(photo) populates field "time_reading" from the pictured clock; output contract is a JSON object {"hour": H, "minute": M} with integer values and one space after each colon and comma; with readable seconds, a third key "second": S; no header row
{"hour": 4, "minute": 45}
